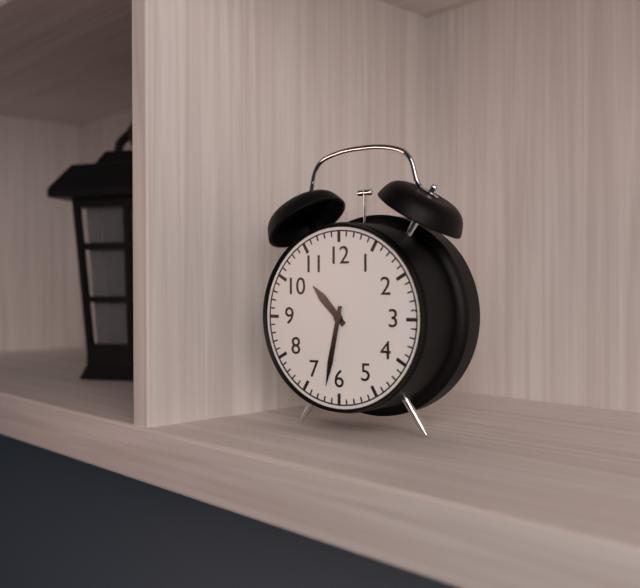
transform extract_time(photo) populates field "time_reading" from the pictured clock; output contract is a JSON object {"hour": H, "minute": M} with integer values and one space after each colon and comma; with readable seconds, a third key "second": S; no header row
{"hour": 10, "minute": 32}
